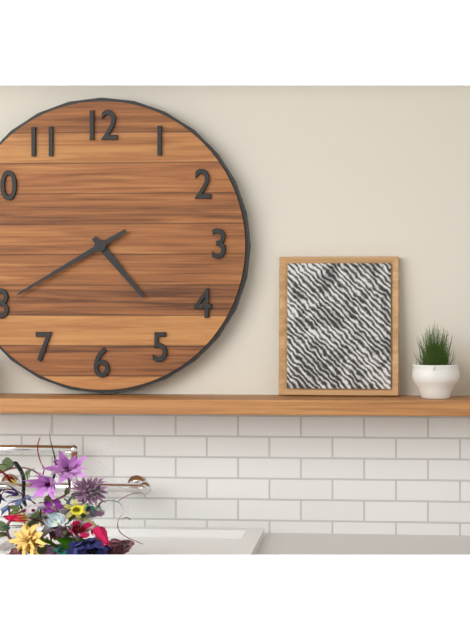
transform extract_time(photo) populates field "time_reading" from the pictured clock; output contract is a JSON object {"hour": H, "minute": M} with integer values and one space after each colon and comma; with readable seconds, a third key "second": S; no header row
{"hour": 4, "minute": 40}
